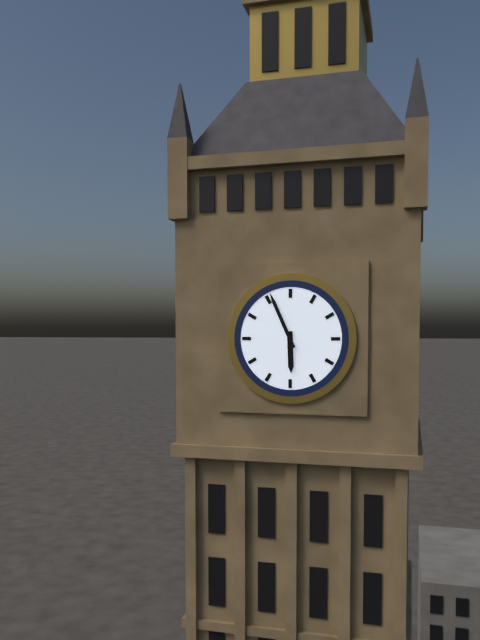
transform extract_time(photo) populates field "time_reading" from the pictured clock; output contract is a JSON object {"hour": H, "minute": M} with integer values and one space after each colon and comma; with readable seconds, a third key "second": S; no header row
{"hour": 5, "minute": 56}
